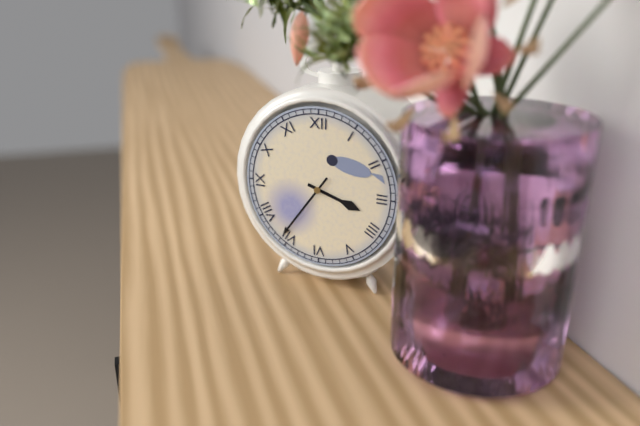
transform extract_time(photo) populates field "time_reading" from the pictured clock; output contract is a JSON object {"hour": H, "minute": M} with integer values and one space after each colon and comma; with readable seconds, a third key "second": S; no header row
{"hour": 3, "minute": 36}
